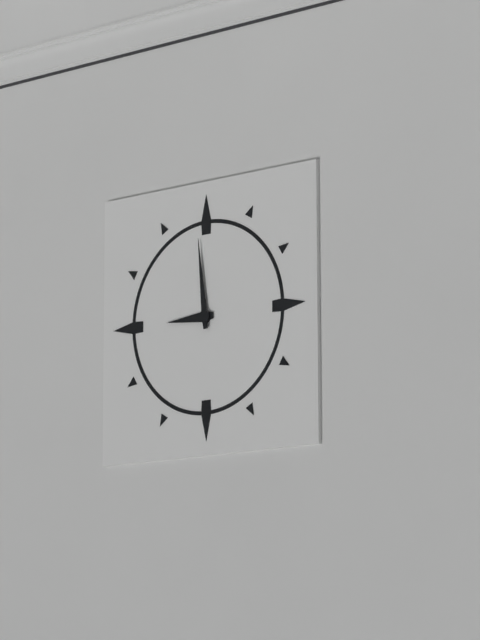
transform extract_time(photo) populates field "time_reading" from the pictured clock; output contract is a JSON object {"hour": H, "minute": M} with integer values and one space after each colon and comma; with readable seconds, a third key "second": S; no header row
{"hour": 8, "minute": 59}
